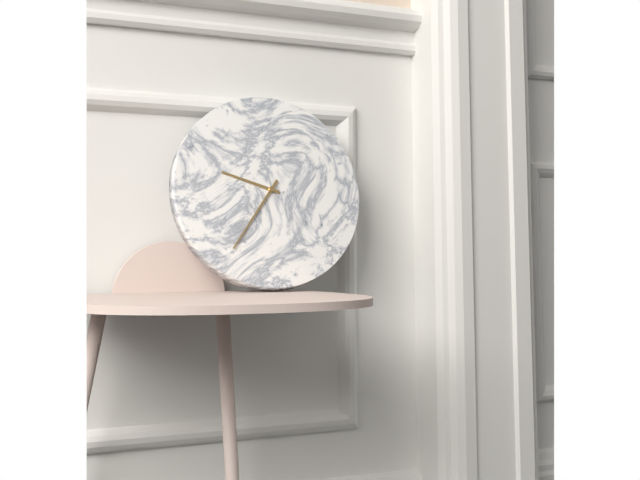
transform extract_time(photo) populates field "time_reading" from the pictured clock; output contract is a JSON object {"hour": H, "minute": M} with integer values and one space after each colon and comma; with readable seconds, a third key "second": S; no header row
{"hour": 9, "minute": 36}
